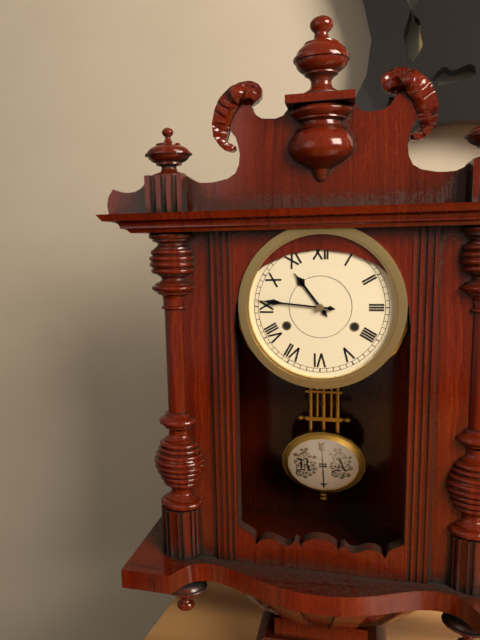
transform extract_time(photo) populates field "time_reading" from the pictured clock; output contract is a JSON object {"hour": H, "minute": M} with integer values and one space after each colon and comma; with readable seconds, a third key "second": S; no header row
{"hour": 10, "minute": 46}
